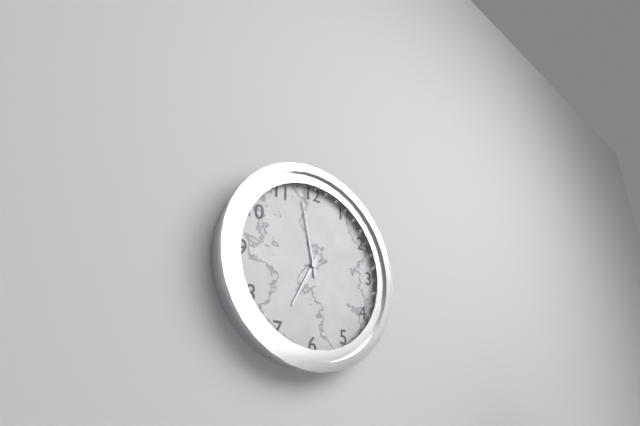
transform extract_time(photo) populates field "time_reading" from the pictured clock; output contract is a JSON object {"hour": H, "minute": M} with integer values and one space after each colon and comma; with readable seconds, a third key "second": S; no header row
{"hour": 6, "minute": 58}
